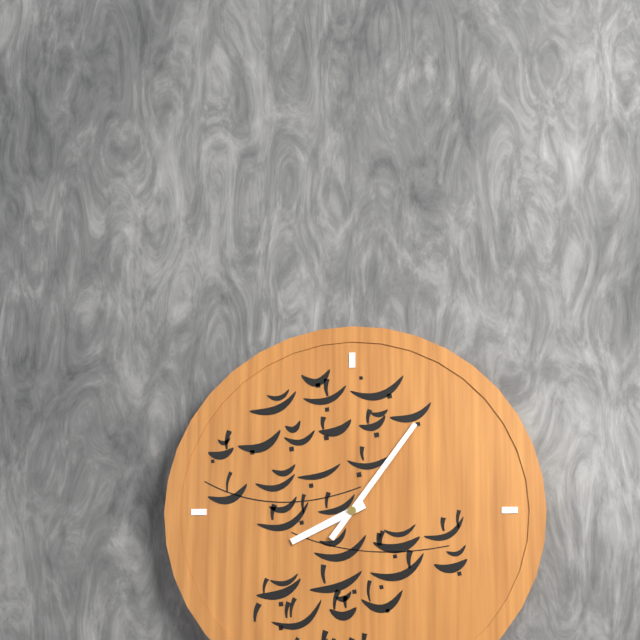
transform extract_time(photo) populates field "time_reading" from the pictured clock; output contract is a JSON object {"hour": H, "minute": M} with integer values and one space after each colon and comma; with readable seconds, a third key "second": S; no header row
{"hour": 8, "minute": 6}
